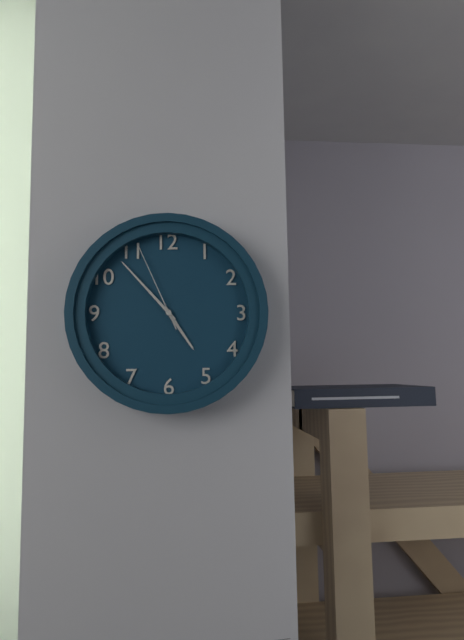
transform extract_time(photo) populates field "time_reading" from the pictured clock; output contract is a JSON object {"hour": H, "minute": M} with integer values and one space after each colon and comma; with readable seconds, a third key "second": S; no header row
{"hour": 4, "minute": 53, "second": 56}
